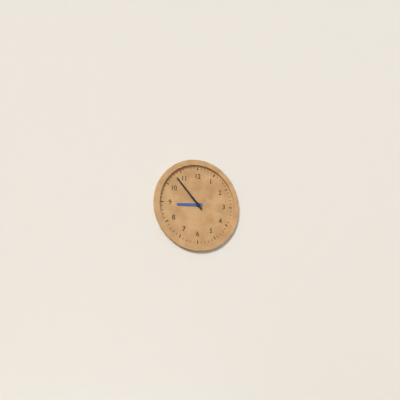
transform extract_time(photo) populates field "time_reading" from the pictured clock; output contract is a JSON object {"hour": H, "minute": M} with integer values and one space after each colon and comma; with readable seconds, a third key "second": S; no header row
{"hour": 8, "minute": 53}
